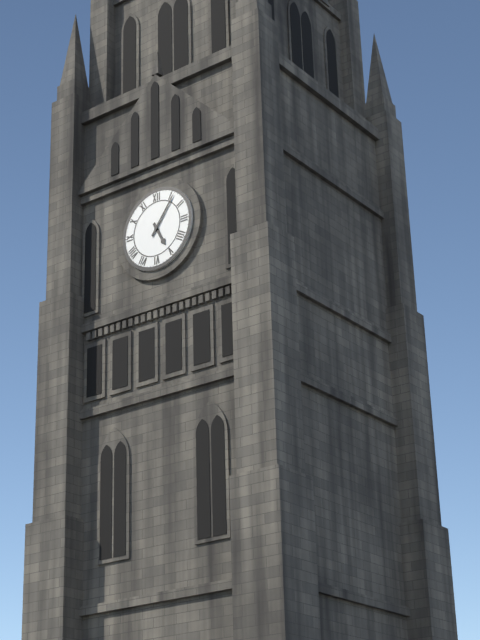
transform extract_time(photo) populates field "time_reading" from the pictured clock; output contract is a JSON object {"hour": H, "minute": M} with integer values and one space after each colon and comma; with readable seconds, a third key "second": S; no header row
{"hour": 5, "minute": 6}
